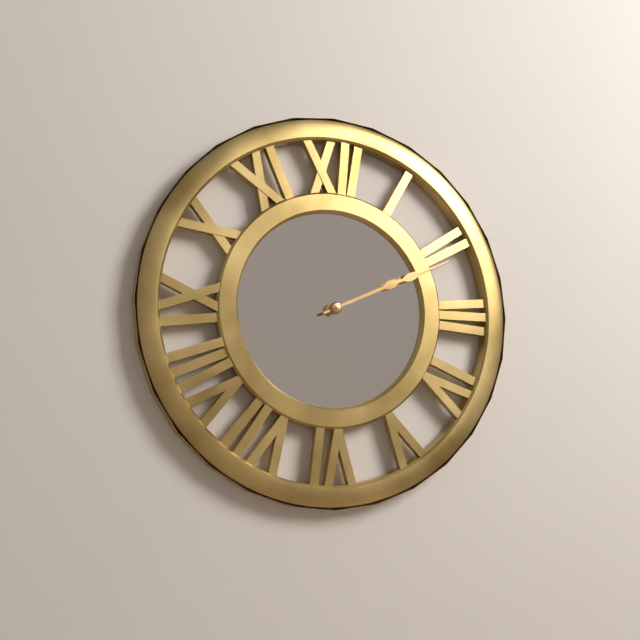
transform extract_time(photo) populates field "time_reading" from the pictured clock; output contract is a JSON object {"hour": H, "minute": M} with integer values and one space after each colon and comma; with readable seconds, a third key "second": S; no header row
{"hour": 2, "minute": 11}
